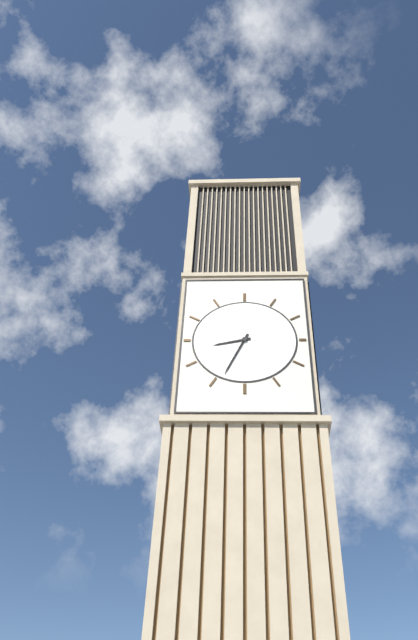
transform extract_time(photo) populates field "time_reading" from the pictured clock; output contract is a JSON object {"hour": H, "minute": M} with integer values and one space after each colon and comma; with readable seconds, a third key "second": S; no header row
{"hour": 8, "minute": 34}
